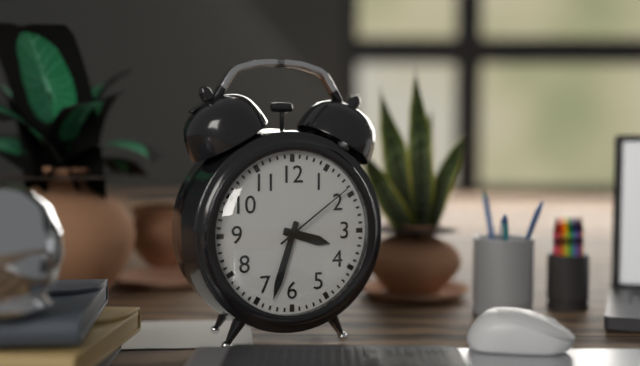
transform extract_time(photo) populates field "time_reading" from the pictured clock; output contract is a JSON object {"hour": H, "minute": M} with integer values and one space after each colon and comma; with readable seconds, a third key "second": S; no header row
{"hour": 3, "minute": 33, "second": 9}
